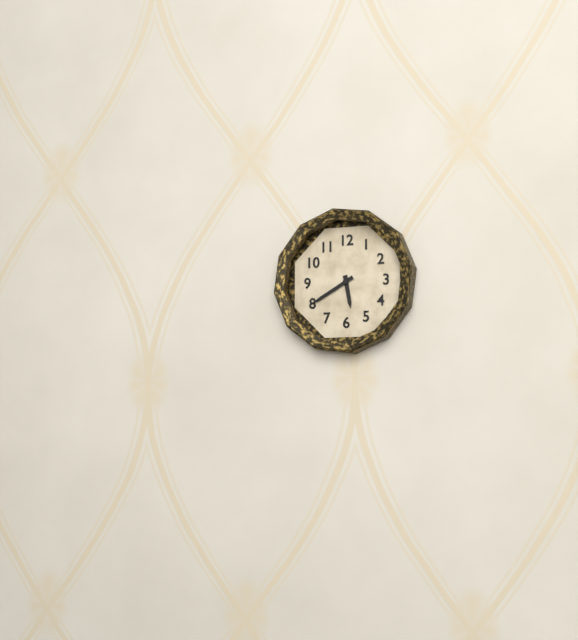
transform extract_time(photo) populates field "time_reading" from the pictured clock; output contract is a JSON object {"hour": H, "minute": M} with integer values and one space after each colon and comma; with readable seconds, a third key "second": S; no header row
{"hour": 5, "minute": 40}
